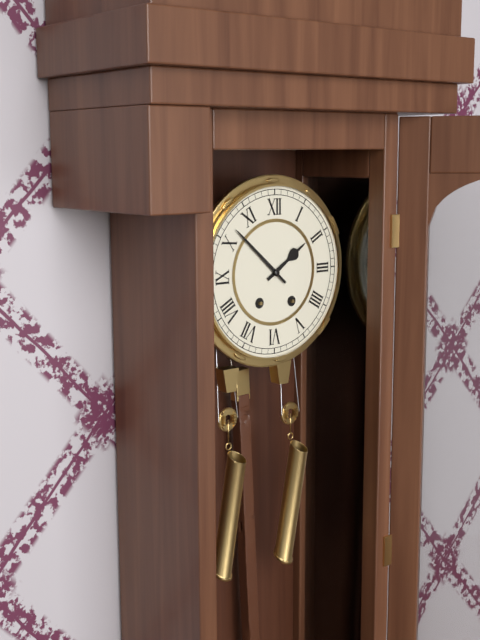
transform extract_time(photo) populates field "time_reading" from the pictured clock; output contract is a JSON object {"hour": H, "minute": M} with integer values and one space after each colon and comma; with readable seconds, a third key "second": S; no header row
{"hour": 1, "minute": 52}
